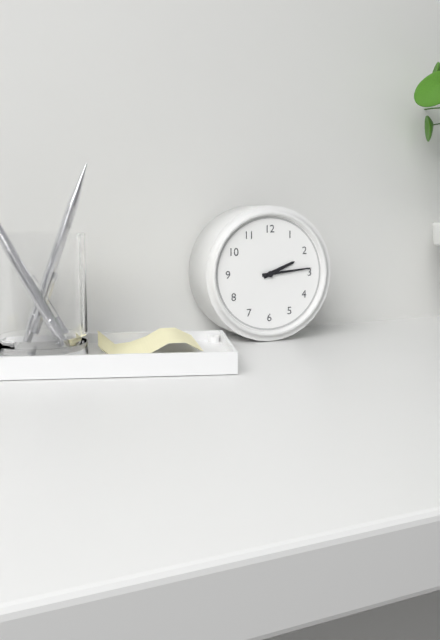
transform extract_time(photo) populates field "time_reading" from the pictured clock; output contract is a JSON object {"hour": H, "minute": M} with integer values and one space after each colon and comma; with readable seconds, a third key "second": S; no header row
{"hour": 2, "minute": 14}
